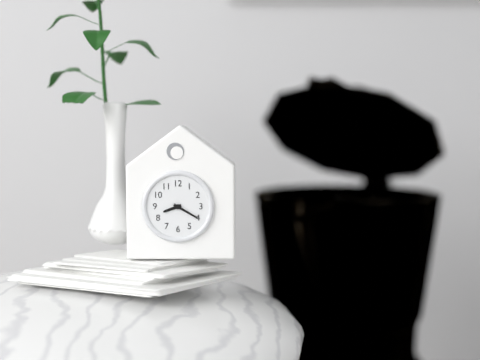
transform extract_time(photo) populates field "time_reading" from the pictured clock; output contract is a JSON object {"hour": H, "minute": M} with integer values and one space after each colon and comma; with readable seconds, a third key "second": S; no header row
{"hour": 8, "minute": 20}
